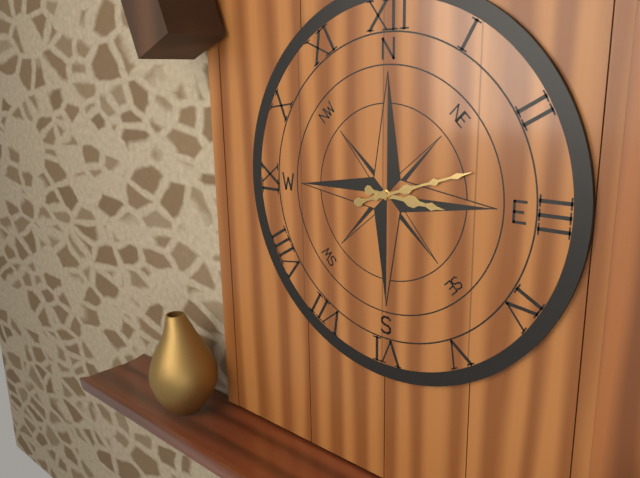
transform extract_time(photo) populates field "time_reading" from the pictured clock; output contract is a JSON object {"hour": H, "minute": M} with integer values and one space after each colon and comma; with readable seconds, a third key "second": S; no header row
{"hour": 3, "minute": 12}
